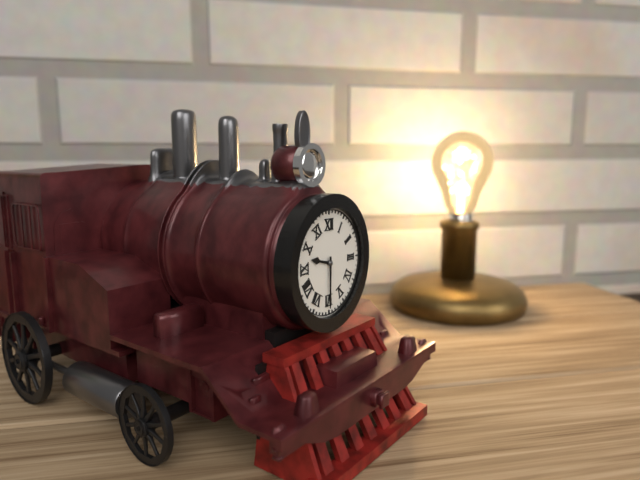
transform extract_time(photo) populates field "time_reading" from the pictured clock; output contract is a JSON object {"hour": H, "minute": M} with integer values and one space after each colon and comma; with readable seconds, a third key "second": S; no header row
{"hour": 9, "minute": 30}
